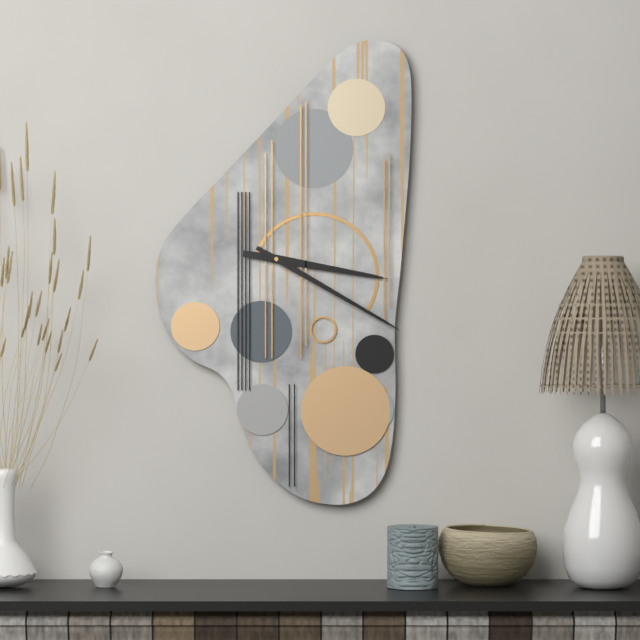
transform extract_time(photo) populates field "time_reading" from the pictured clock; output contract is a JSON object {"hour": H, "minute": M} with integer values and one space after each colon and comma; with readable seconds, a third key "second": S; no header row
{"hour": 3, "minute": 20}
